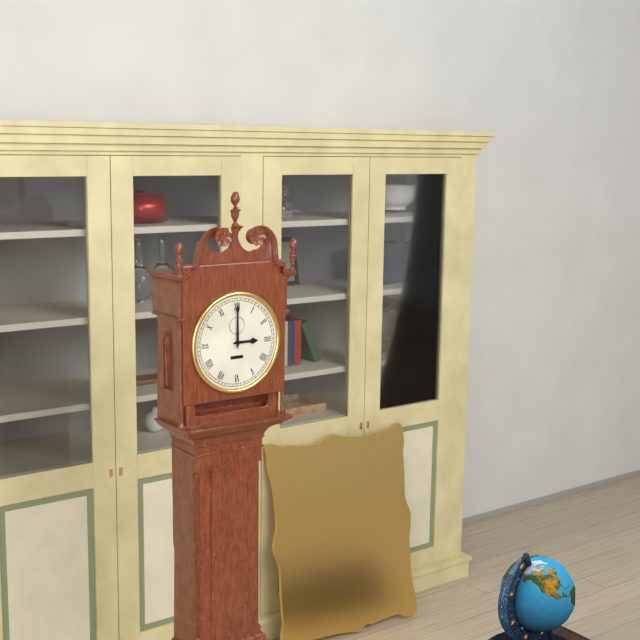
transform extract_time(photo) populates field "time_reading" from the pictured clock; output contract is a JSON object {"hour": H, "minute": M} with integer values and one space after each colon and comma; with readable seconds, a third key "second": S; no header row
{"hour": 3, "minute": 0}
